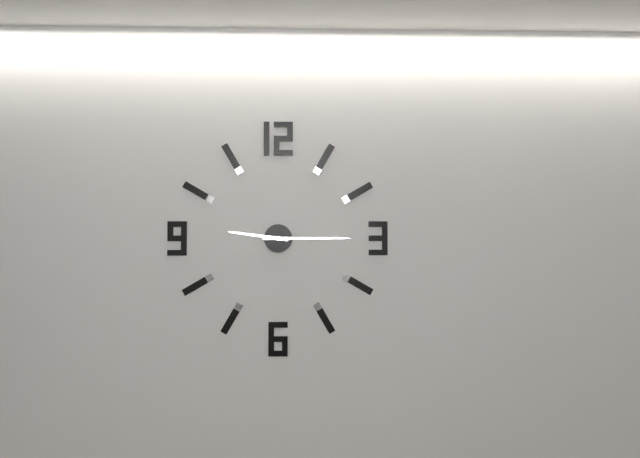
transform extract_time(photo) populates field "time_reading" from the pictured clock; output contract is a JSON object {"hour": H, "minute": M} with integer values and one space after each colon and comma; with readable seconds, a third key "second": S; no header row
{"hour": 9, "minute": 15}
